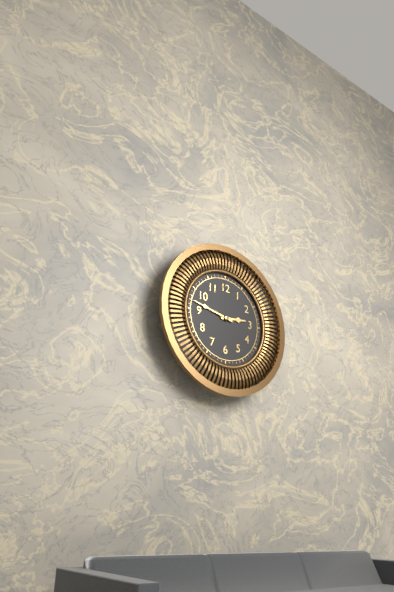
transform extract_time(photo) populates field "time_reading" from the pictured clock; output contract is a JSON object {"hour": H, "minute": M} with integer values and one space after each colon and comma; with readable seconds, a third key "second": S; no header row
{"hour": 2, "minute": 47}
